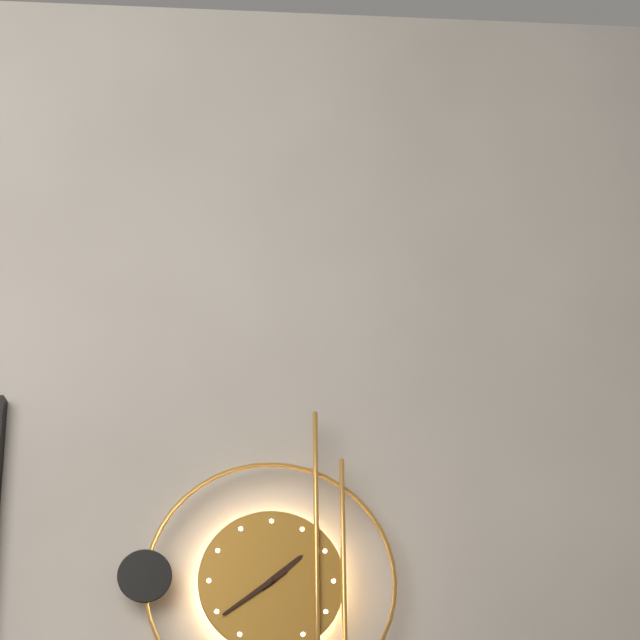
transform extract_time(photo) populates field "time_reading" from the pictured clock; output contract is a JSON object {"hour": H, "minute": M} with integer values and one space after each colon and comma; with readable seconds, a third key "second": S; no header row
{"hour": 1, "minute": 39}
